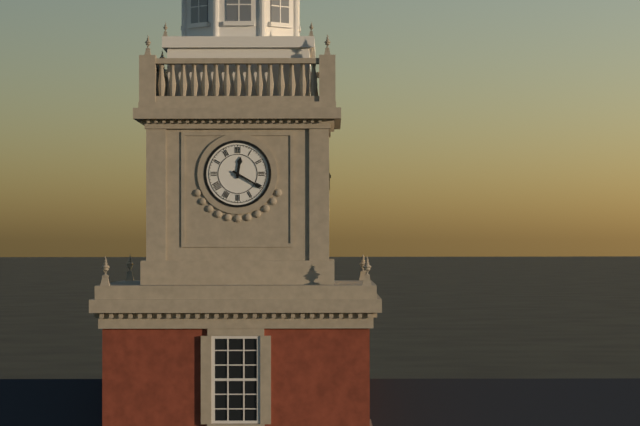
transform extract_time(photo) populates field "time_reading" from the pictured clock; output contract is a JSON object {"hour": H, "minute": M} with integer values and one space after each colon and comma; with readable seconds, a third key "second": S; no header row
{"hour": 12, "minute": 20}
